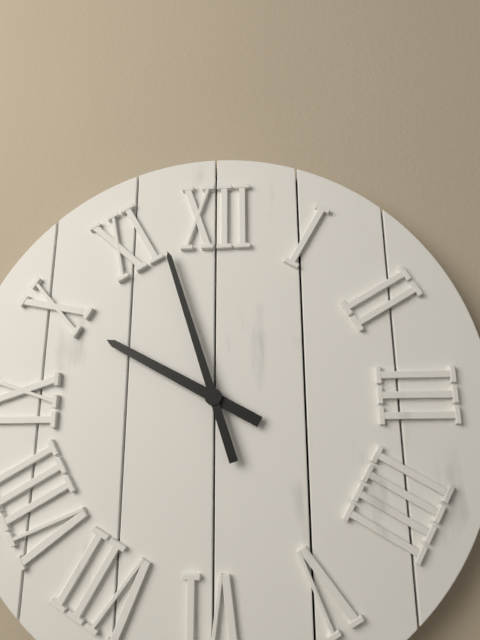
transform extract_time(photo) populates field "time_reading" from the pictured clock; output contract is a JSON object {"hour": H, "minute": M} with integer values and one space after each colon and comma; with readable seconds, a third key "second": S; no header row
{"hour": 9, "minute": 57}
